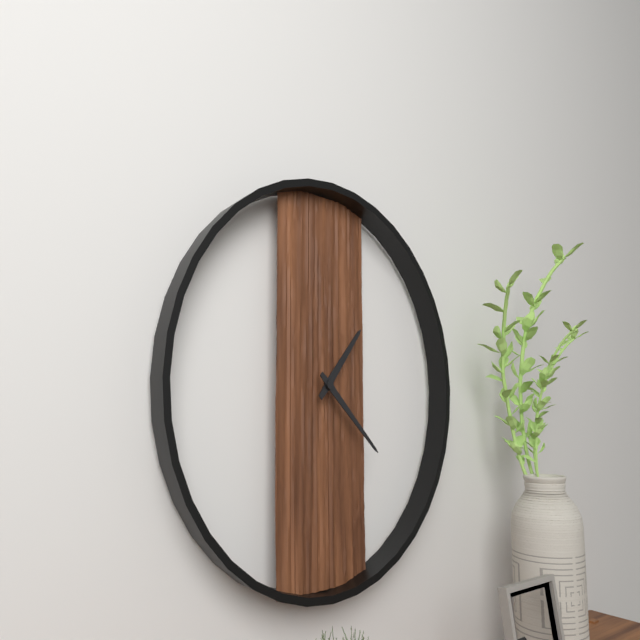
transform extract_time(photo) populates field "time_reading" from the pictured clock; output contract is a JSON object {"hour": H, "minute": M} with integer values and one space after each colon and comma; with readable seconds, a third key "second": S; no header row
{"hour": 1, "minute": 22}
